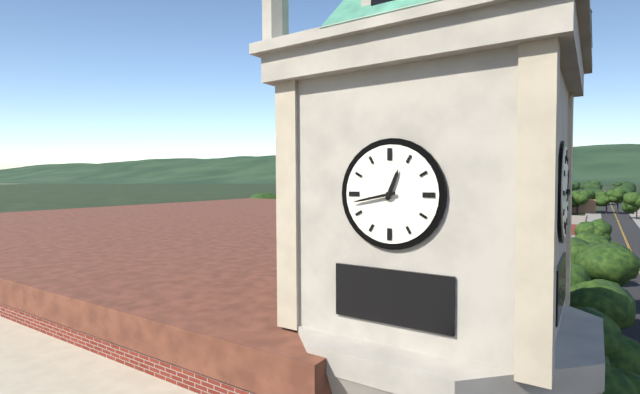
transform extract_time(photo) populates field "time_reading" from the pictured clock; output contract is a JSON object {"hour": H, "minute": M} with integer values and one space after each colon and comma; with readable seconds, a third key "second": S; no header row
{"hour": 12, "minute": 43}
